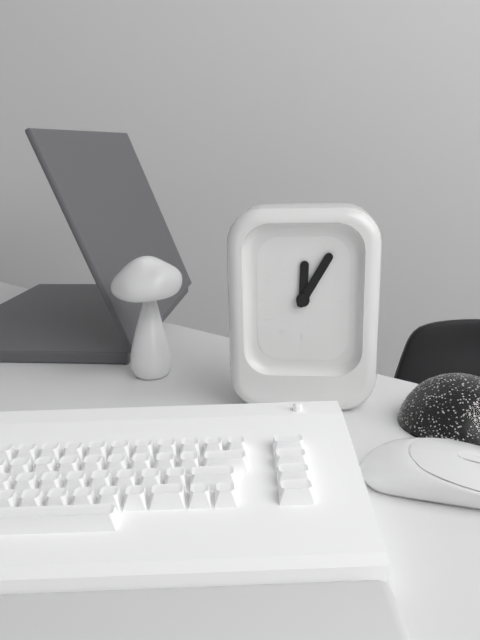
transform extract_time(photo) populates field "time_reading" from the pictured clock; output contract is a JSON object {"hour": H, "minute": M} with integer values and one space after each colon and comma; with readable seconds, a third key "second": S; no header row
{"hour": 12, "minute": 5}
